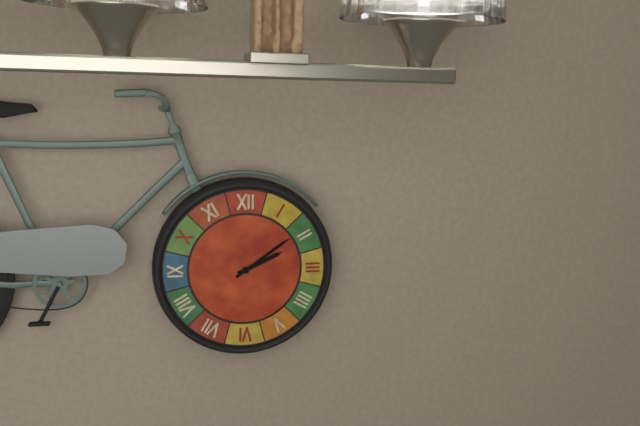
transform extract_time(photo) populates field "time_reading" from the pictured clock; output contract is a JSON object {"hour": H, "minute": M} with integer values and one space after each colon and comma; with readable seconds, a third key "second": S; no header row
{"hour": 2, "minute": 9}
